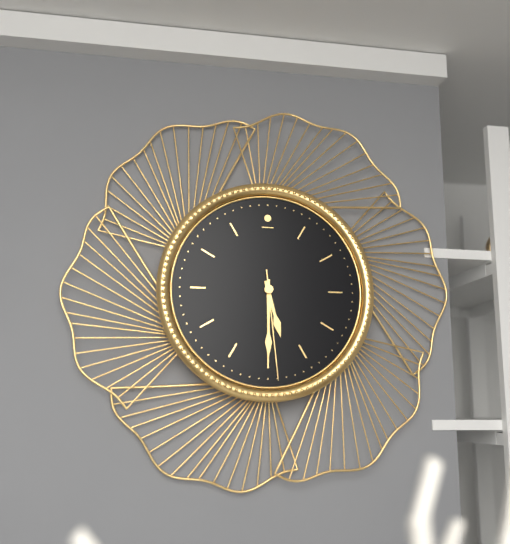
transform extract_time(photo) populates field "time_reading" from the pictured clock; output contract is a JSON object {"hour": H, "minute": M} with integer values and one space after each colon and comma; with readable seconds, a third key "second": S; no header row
{"hour": 5, "minute": 30, "second": 29}
